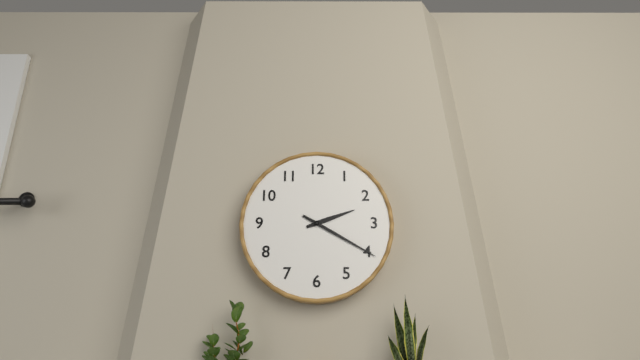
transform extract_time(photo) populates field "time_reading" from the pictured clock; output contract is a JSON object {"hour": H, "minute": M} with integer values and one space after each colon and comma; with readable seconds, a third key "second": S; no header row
{"hour": 2, "minute": 20}
